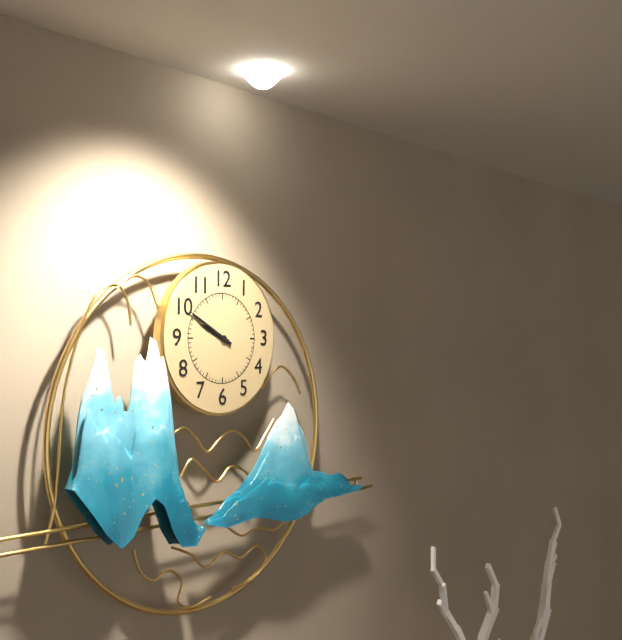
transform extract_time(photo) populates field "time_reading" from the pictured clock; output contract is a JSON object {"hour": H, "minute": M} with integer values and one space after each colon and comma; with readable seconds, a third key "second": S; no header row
{"hour": 9, "minute": 50}
